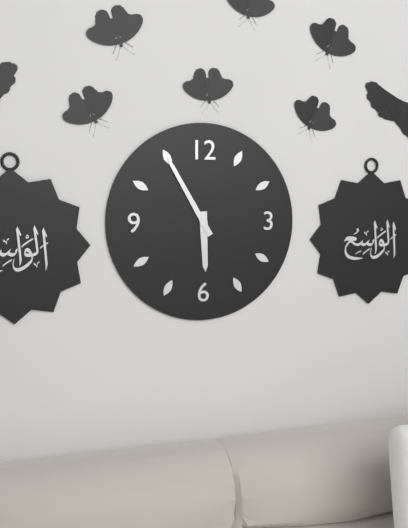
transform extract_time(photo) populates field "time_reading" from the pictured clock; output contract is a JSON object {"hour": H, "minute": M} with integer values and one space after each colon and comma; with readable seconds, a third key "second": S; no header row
{"hour": 5, "minute": 55}
